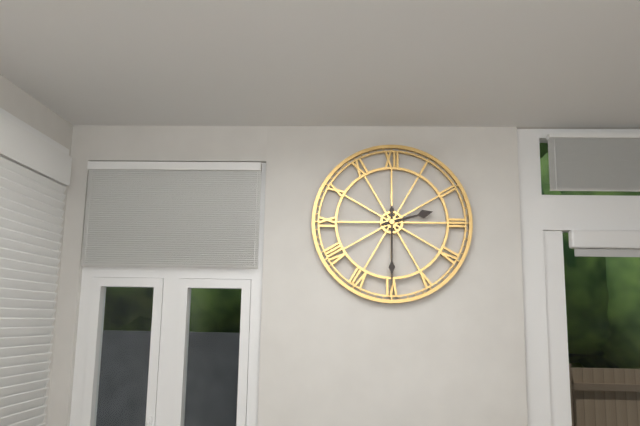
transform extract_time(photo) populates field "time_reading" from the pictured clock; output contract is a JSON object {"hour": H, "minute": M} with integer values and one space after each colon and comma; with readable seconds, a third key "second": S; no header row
{"hour": 2, "minute": 30}
